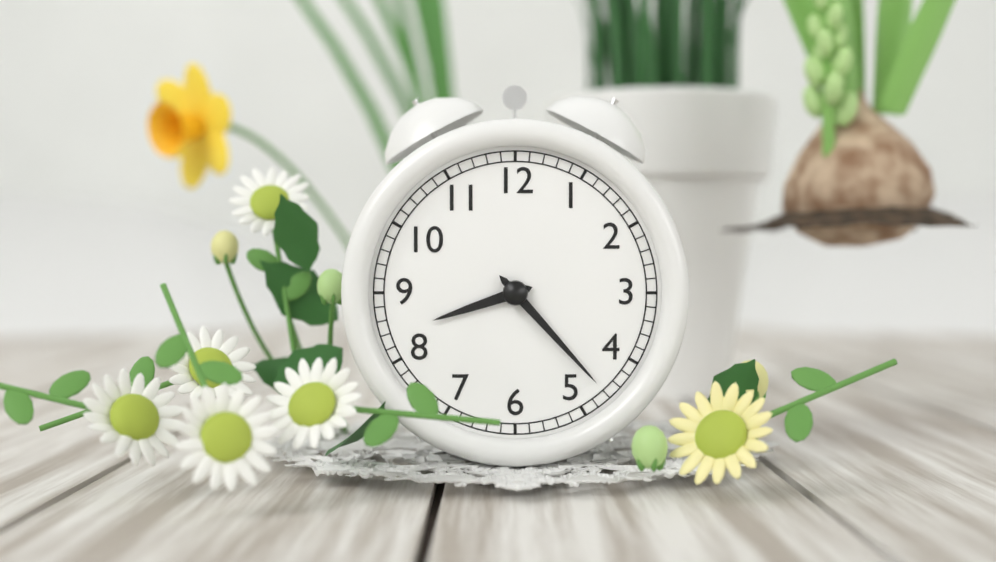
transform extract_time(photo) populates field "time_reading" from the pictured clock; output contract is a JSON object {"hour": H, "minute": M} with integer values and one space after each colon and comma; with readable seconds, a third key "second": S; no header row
{"hour": 8, "minute": 23}
